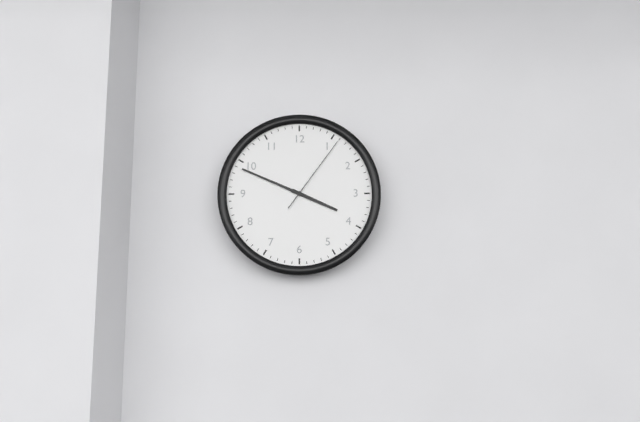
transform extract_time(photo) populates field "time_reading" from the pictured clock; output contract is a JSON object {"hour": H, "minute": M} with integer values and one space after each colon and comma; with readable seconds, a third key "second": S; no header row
{"hour": 3, "minute": 49, "second": 6}
